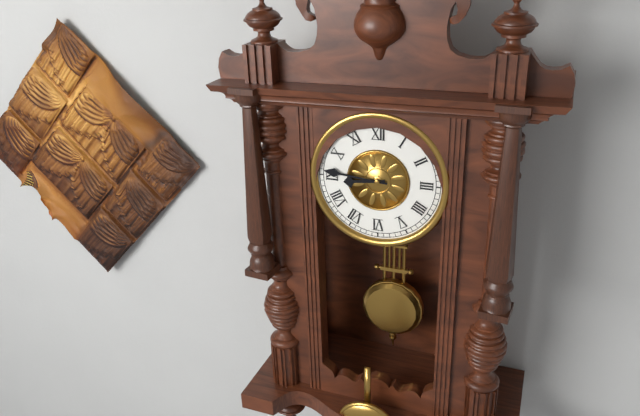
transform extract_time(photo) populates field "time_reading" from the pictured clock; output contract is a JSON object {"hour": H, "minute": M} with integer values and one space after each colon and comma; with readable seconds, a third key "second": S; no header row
{"hour": 8, "minute": 46}
